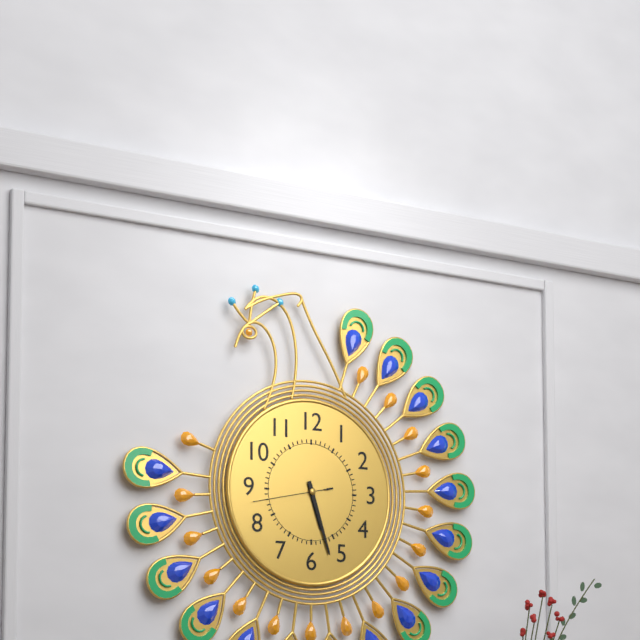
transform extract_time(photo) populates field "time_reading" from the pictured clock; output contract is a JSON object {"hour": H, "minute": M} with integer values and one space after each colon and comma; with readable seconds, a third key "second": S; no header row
{"hour": 5, "minute": 27, "second": 43}
